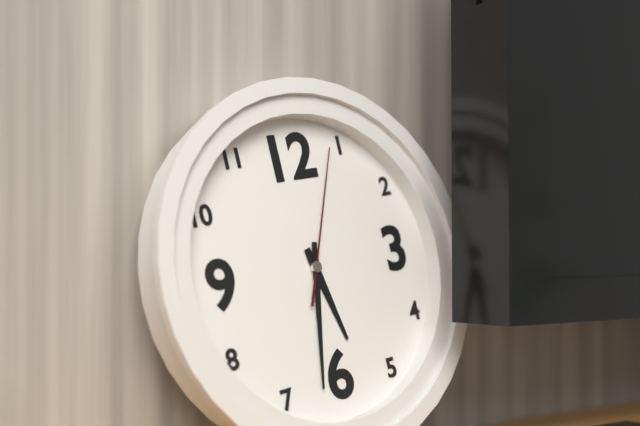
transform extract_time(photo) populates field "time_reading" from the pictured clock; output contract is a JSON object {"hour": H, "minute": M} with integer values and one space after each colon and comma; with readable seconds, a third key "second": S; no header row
{"hour": 5, "minute": 32, "second": 4}
